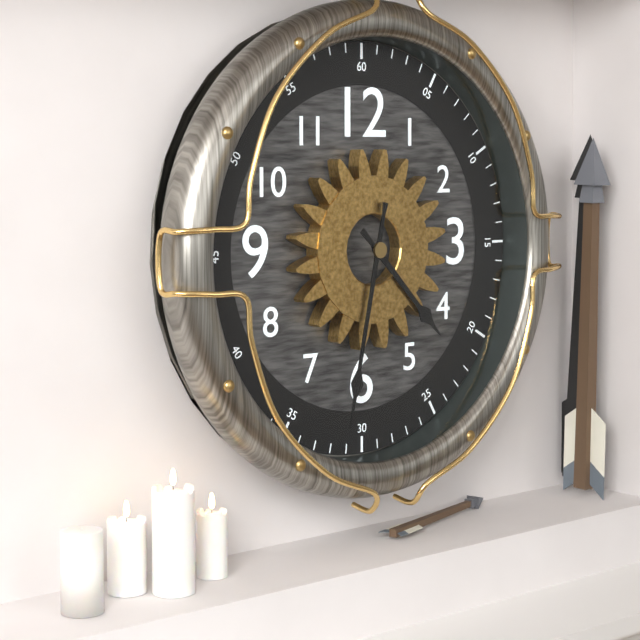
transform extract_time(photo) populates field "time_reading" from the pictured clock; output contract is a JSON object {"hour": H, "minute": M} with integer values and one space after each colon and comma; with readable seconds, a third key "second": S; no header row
{"hour": 4, "minute": 32}
